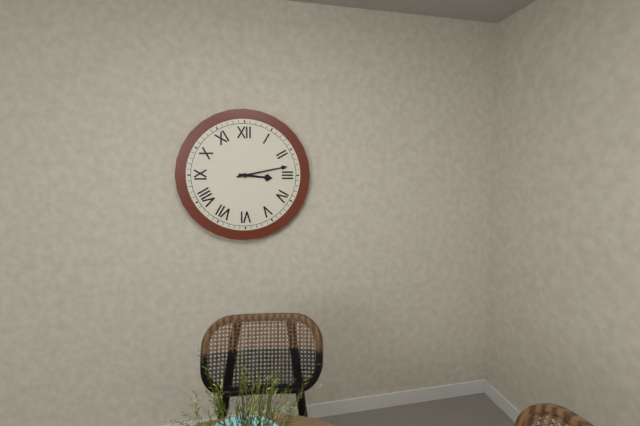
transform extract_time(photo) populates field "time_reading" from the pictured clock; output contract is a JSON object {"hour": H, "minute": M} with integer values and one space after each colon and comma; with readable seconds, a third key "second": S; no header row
{"hour": 3, "minute": 13}
